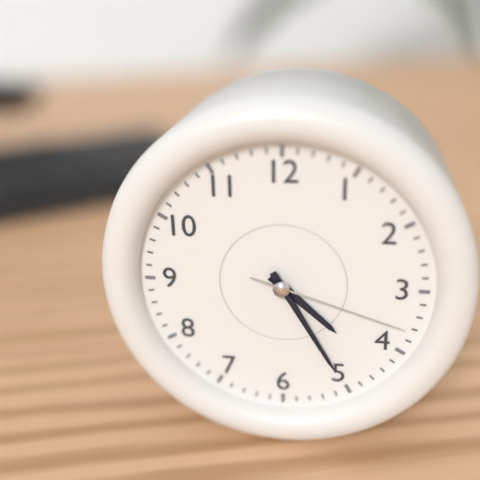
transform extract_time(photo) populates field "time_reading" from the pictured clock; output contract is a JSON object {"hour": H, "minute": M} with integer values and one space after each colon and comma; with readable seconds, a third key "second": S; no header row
{"hour": 4, "minute": 25, "second": 18}
